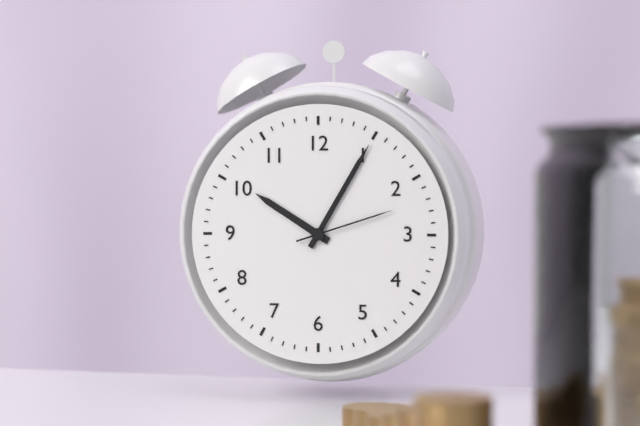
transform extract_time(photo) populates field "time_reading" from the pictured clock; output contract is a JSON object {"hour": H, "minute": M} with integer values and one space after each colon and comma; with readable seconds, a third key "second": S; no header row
{"hour": 10, "minute": 5, "second": 12}
